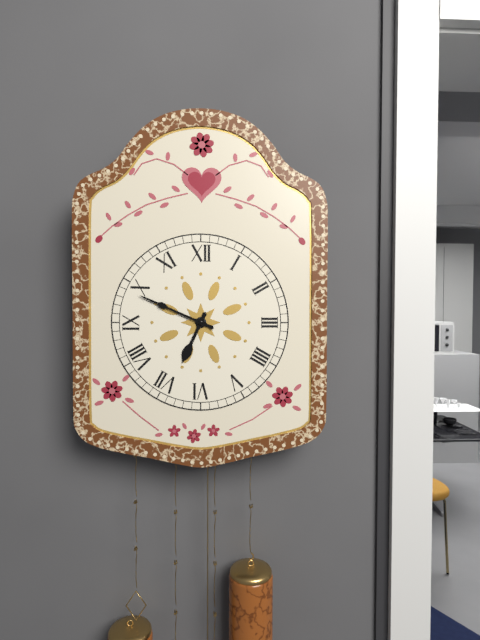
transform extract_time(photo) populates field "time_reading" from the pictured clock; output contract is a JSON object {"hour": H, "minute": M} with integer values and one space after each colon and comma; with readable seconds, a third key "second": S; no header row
{"hour": 6, "minute": 49}
